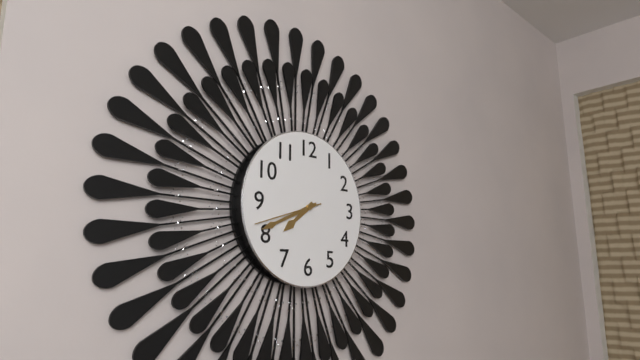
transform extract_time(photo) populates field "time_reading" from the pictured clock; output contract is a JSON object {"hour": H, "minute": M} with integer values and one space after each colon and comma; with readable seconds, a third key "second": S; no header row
{"hour": 7, "minute": 41, "second": 42}
